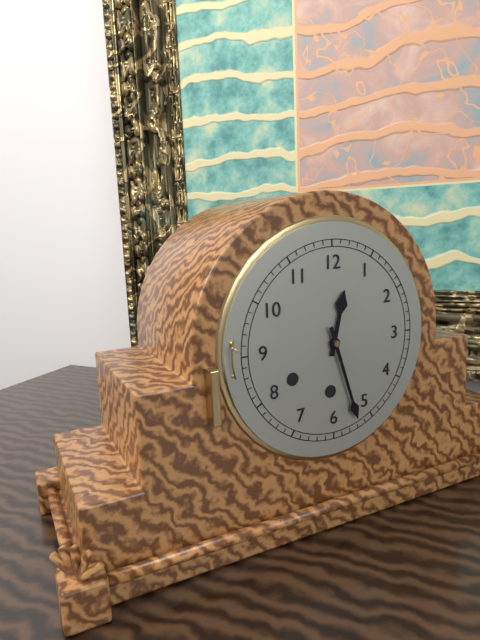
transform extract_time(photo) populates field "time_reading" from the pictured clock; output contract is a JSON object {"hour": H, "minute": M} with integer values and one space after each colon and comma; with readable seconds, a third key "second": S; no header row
{"hour": 12, "minute": 27}
